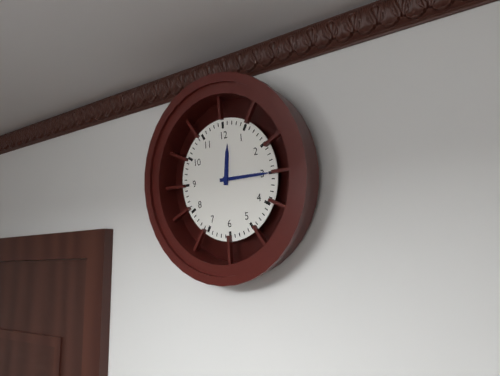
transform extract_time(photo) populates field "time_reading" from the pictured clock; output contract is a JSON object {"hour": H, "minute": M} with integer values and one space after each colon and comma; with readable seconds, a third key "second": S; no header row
{"hour": 12, "minute": 15}
